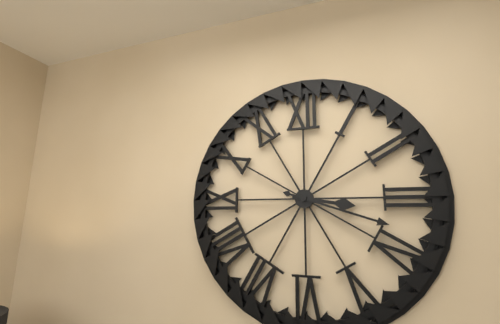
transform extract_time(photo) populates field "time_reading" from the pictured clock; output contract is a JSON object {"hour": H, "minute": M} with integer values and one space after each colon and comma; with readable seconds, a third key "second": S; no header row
{"hour": 3, "minute": 18}
